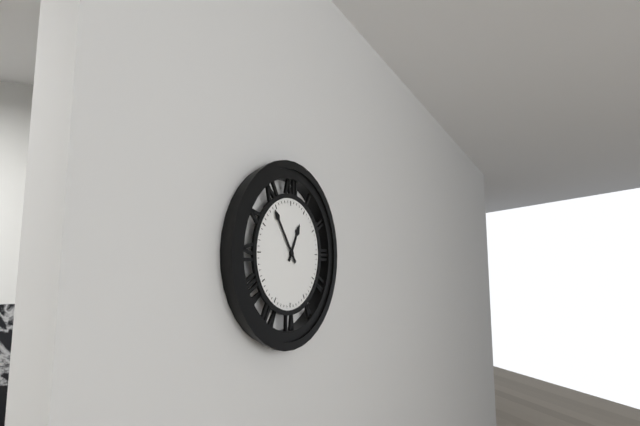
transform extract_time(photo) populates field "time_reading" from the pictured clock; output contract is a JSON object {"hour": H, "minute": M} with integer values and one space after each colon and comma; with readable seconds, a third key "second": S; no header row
{"hour": 12, "minute": 54}
